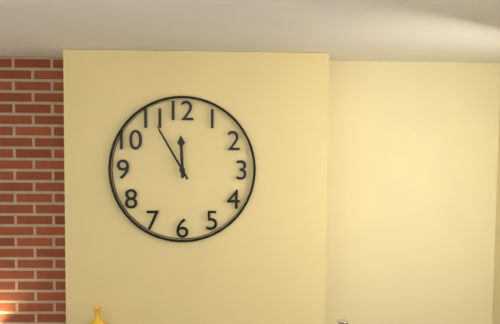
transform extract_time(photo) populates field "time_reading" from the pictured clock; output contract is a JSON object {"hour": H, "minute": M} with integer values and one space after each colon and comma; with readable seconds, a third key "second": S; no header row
{"hour": 11, "minute": 55}
